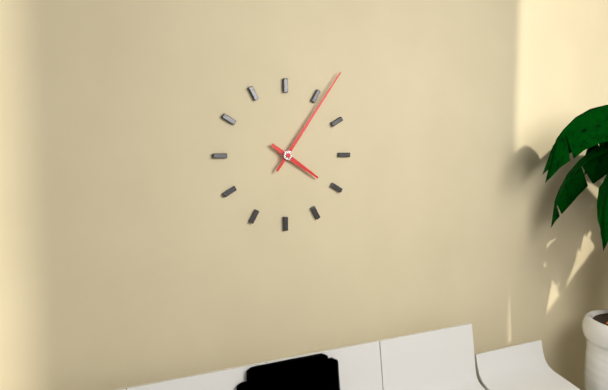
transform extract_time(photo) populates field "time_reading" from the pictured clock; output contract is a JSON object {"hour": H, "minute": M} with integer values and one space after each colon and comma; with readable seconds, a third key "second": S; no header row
{"hour": 4, "minute": 6}
